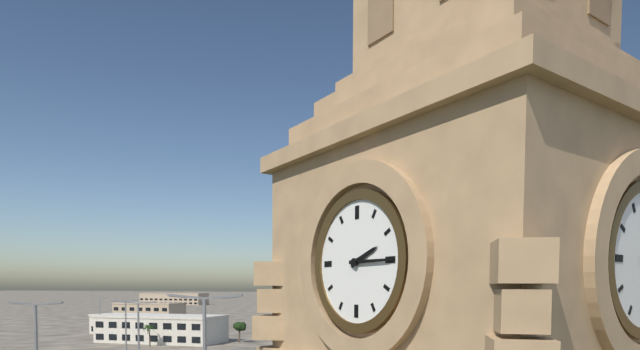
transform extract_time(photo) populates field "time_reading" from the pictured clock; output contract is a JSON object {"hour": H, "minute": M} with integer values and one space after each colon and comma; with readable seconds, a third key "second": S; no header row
{"hour": 2, "minute": 15}
